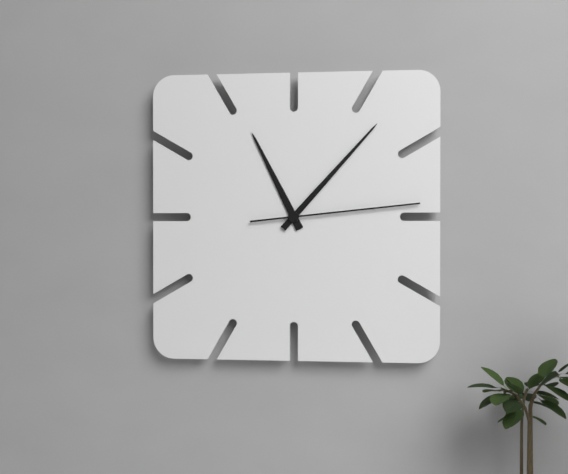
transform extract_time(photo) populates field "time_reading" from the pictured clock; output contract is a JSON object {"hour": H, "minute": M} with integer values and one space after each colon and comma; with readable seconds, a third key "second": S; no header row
{"hour": 11, "minute": 7, "second": 14}
